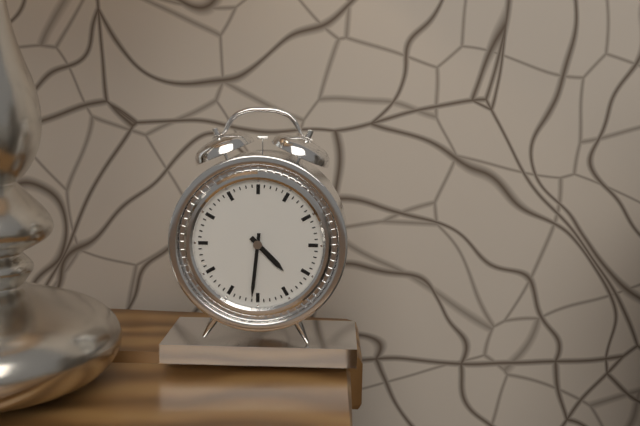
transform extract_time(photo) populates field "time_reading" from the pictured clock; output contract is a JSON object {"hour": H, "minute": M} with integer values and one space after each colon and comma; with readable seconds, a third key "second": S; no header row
{"hour": 4, "minute": 31}
